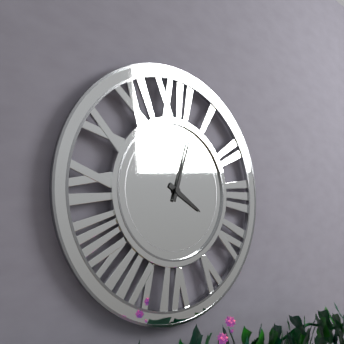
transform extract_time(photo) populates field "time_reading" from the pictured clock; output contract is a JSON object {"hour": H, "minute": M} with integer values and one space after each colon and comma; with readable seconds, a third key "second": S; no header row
{"hour": 4, "minute": 3}
